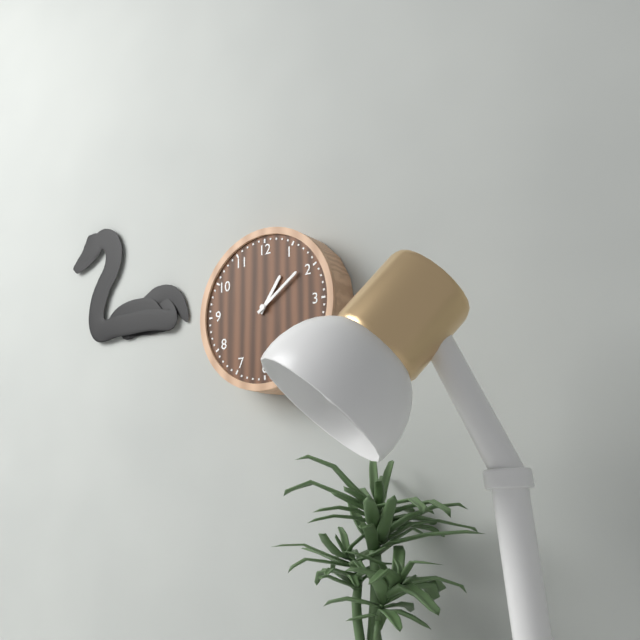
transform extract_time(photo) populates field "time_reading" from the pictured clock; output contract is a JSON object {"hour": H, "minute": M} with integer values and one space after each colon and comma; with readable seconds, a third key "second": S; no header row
{"hour": 1, "minute": 9}
